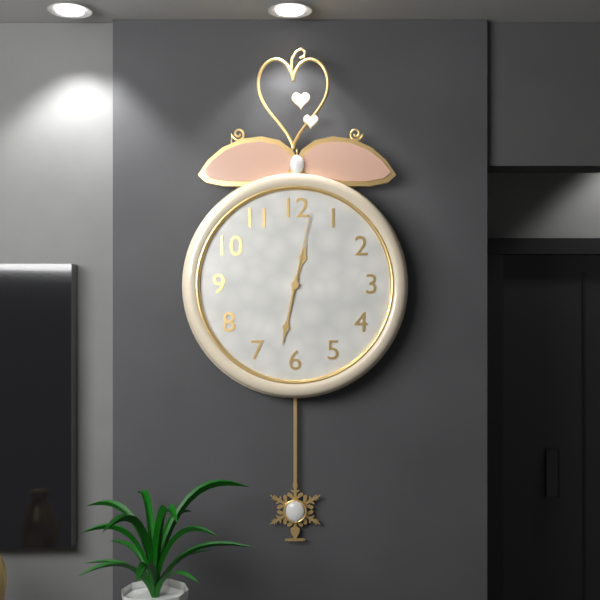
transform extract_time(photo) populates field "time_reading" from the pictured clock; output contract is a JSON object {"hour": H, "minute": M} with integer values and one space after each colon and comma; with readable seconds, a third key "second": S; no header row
{"hour": 12, "minute": 32, "second": 2}
